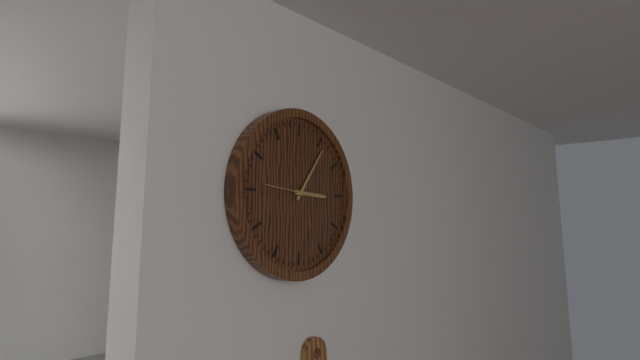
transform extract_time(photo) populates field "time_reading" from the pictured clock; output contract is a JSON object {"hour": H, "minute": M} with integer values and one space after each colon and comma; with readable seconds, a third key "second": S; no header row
{"hour": 3, "minute": 6}
